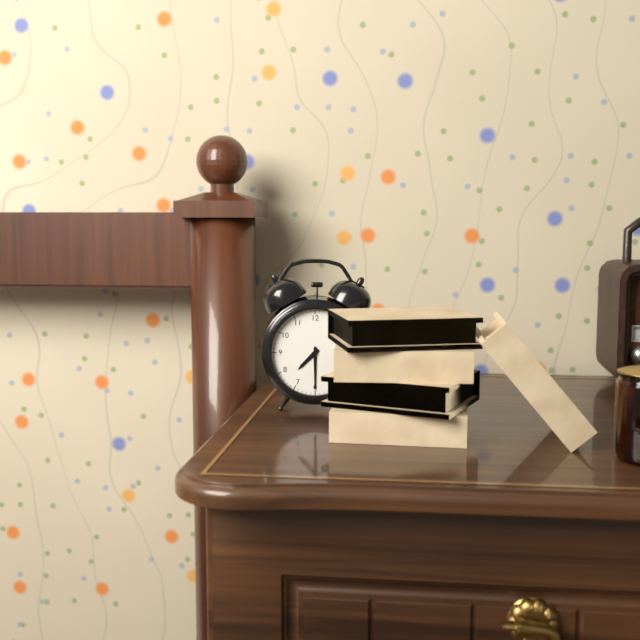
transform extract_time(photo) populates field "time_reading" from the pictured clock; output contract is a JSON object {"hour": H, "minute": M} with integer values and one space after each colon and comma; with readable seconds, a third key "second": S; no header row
{"hour": 7, "minute": 30}
